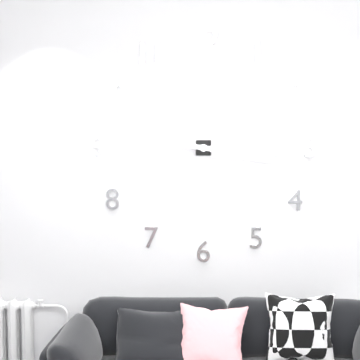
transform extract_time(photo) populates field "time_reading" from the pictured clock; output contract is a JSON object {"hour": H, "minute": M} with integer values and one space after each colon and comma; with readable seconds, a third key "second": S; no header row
{"hour": 9, "minute": 16}
